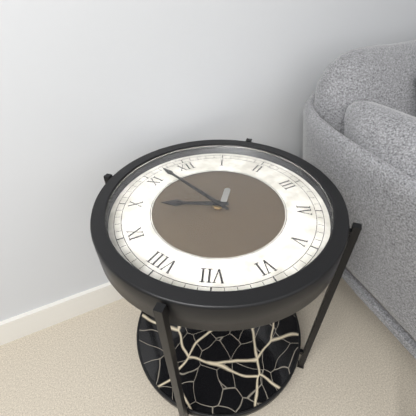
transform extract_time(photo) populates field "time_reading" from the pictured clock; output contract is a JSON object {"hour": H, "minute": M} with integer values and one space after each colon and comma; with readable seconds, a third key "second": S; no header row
{"hour": 9, "minute": 57}
